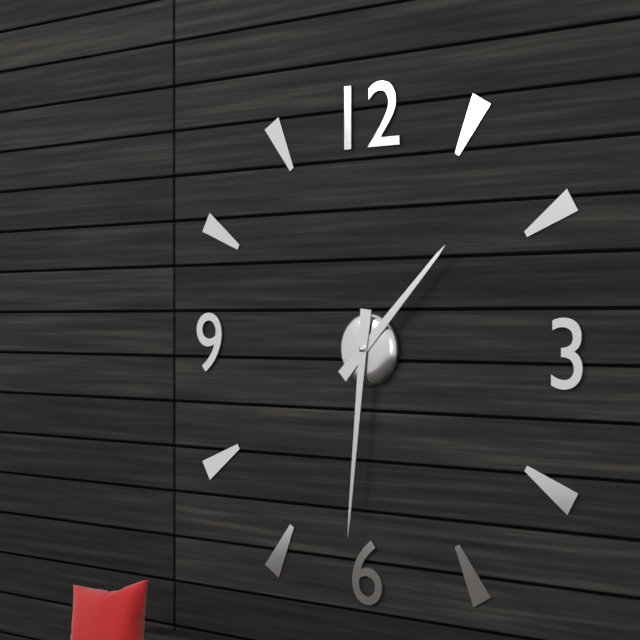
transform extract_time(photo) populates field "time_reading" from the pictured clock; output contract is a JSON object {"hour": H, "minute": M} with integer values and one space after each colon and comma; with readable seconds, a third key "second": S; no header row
{"hour": 1, "minute": 31}
